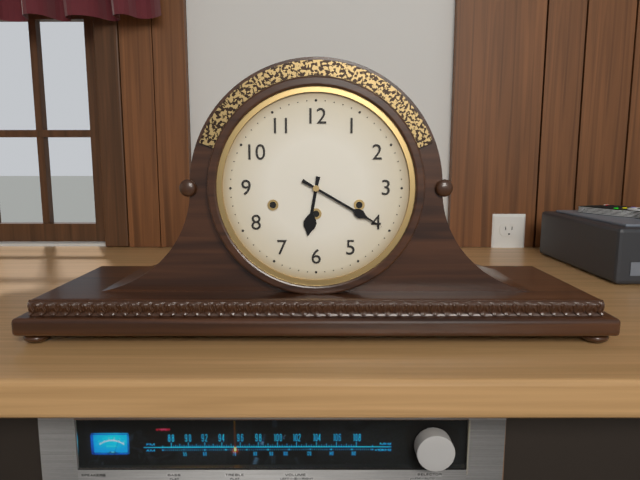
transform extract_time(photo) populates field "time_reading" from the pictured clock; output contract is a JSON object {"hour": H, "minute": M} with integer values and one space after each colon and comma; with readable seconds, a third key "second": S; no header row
{"hour": 6, "minute": 20}
